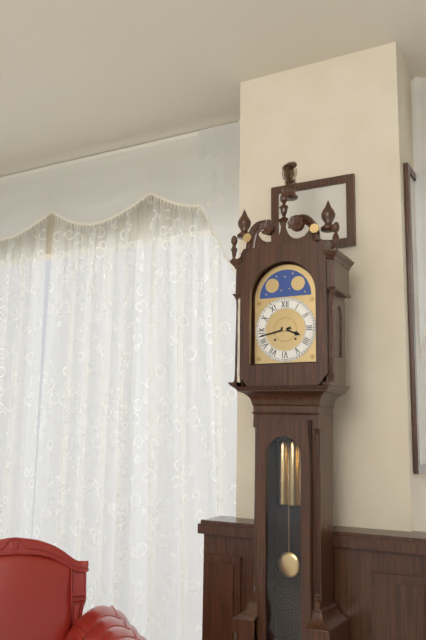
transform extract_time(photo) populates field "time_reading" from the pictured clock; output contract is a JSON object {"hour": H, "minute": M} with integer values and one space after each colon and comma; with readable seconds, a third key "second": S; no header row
{"hour": 3, "minute": 43}
